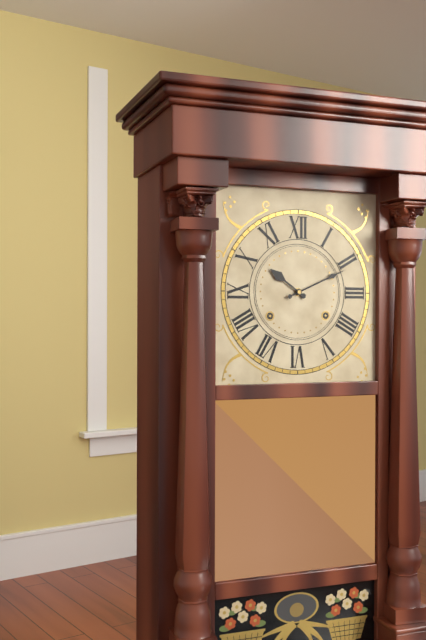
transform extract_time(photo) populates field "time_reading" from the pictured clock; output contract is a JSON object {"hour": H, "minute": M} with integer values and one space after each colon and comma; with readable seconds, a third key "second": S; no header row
{"hour": 10, "minute": 11}
